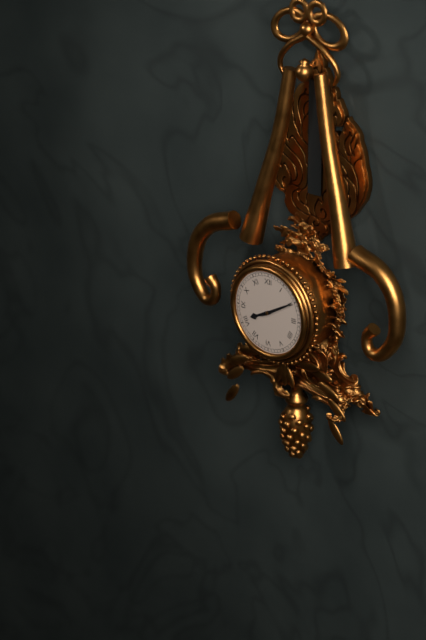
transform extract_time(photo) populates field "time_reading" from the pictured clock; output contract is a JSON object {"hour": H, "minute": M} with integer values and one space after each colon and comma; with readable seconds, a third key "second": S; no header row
{"hour": 8, "minute": 10}
